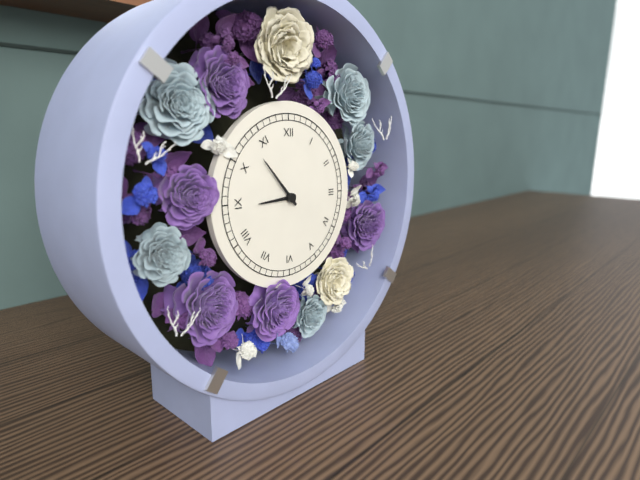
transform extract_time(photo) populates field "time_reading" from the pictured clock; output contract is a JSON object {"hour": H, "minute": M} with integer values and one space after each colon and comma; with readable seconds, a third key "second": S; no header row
{"hour": 8, "minute": 53}
